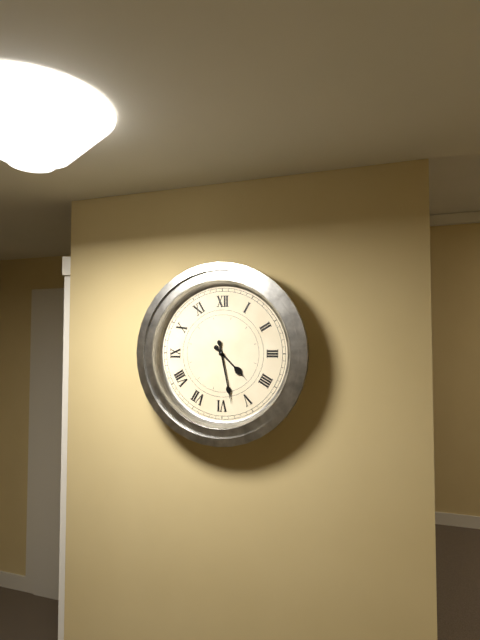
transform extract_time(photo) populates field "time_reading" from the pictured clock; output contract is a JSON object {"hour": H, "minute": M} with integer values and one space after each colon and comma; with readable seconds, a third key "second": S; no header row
{"hour": 4, "minute": 28}
